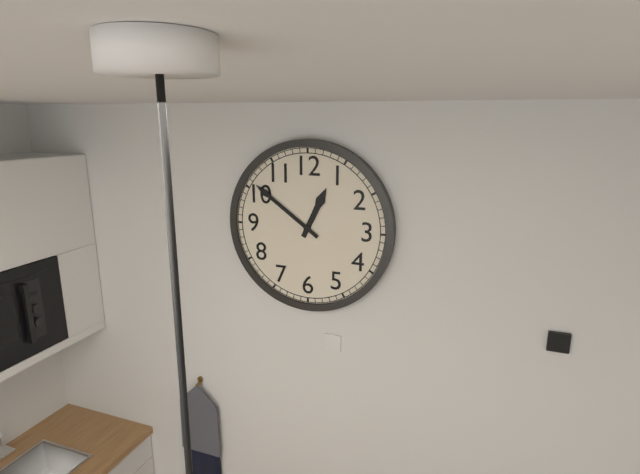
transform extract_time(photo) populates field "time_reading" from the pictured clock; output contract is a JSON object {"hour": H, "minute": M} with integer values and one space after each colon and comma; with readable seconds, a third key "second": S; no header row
{"hour": 12, "minute": 51}
